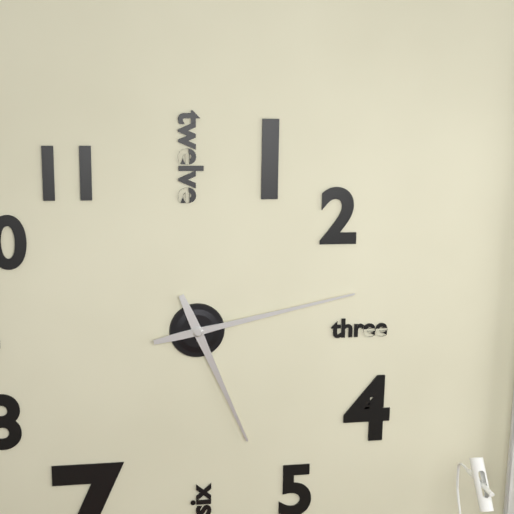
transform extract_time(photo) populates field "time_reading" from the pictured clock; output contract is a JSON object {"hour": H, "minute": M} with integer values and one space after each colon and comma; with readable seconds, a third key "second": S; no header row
{"hour": 5, "minute": 13}
